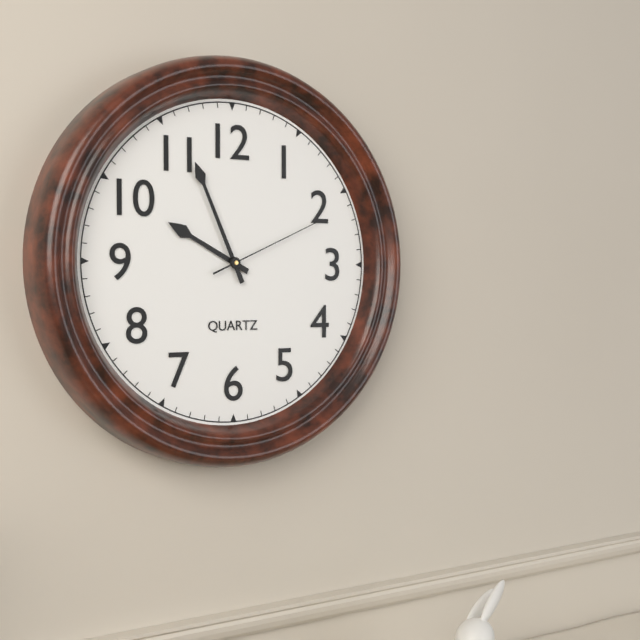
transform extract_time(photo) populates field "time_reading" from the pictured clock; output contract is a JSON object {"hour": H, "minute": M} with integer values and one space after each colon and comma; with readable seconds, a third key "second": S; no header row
{"hour": 9, "minute": 56, "second": 11}
